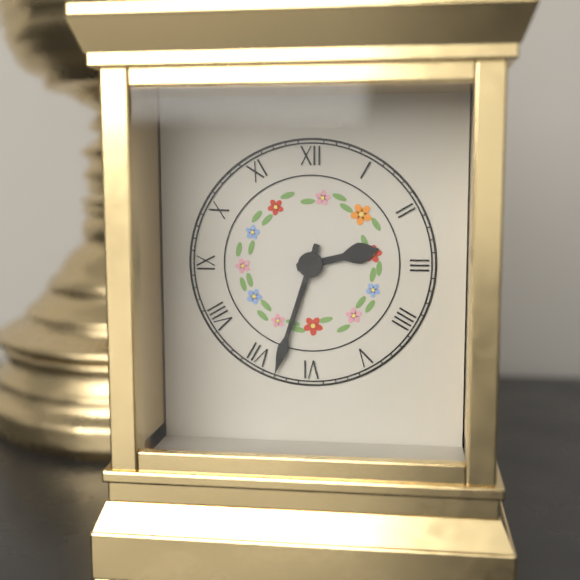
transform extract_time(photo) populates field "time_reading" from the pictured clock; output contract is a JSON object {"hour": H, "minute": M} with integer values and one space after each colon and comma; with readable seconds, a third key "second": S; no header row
{"hour": 2, "minute": 33}
